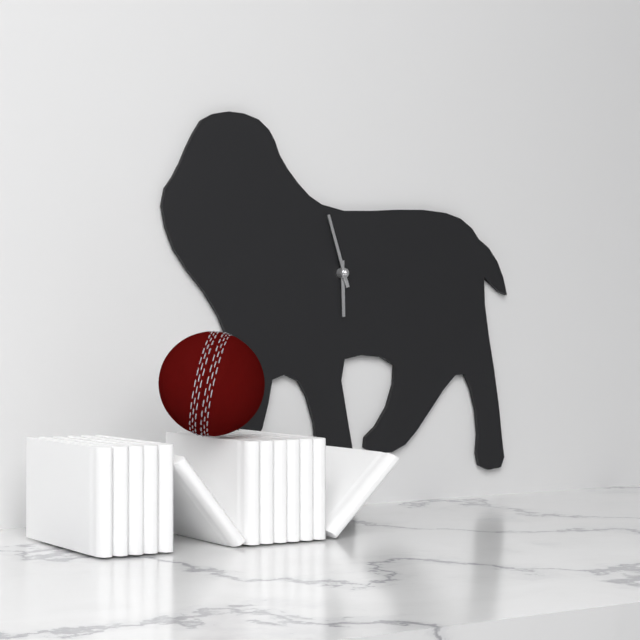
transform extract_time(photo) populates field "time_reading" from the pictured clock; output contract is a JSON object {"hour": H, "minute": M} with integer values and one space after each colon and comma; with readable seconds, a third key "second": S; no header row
{"hour": 5, "minute": 57}
